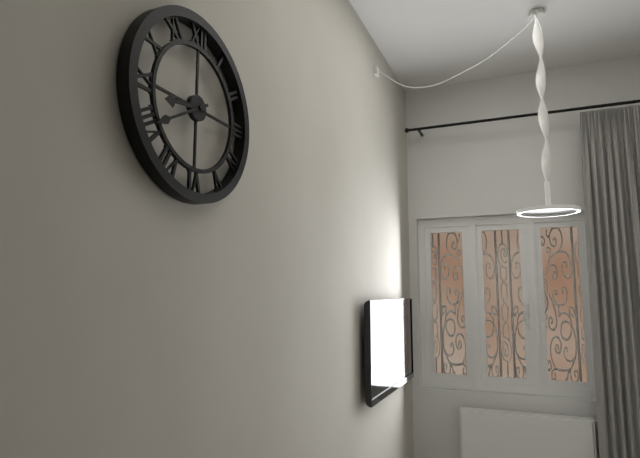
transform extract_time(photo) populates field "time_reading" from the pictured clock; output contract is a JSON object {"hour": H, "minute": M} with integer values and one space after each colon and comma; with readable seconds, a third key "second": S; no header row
{"hour": 8, "minute": 40}
